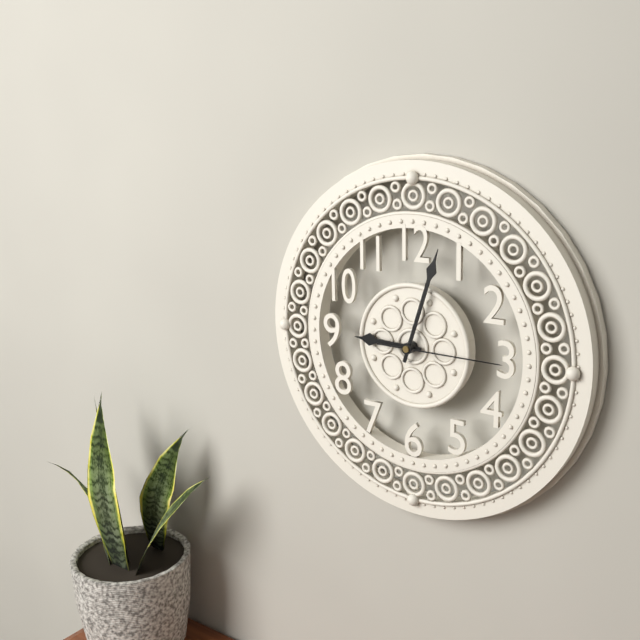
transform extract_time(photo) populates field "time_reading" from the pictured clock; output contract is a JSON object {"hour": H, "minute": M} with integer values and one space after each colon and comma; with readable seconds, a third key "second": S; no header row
{"hour": 9, "minute": 3, "second": 15}
